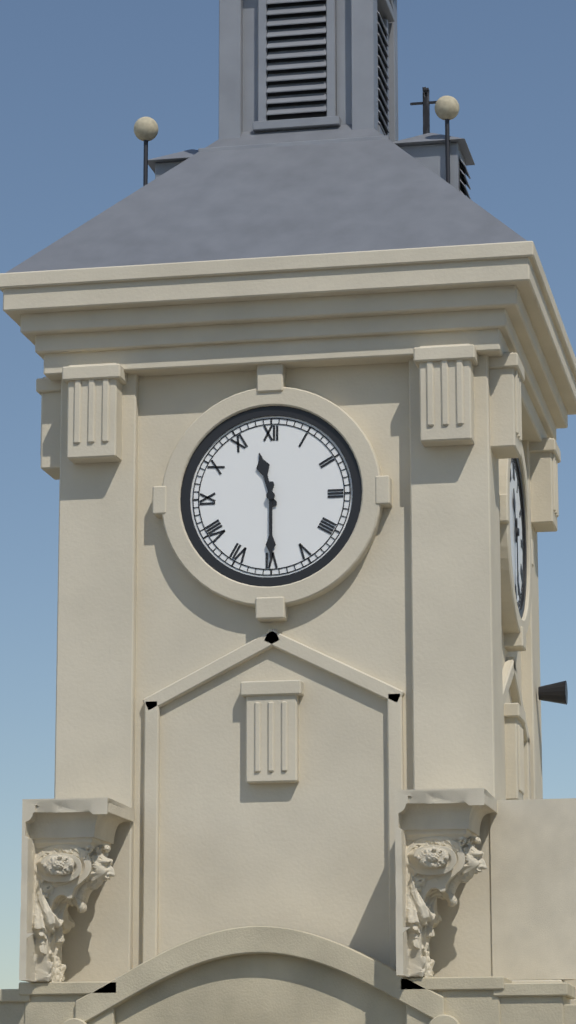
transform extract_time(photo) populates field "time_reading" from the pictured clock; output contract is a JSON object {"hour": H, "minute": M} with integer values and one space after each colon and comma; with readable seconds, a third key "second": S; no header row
{"hour": 11, "minute": 30}
